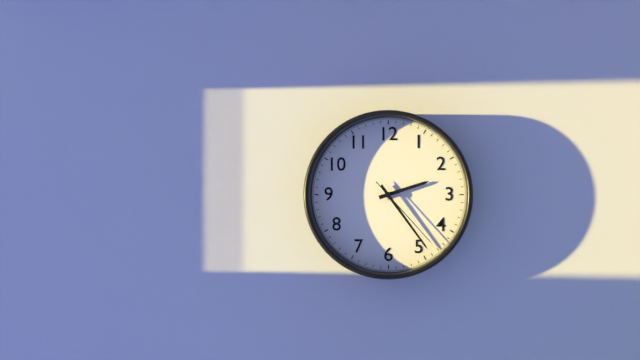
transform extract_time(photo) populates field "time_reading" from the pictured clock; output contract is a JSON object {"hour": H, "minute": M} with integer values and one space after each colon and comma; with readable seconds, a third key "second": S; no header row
{"hour": 2, "minute": 24, "second": 23}
